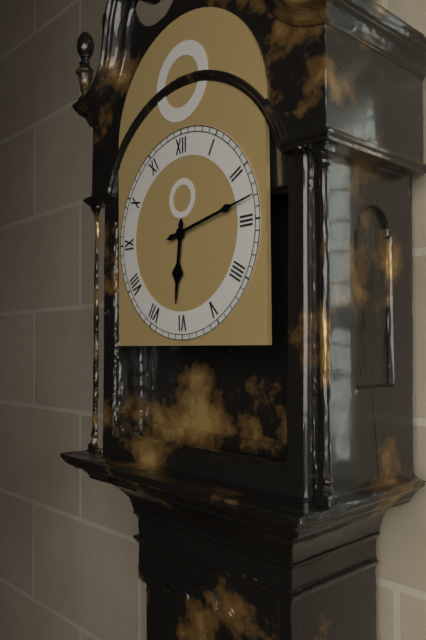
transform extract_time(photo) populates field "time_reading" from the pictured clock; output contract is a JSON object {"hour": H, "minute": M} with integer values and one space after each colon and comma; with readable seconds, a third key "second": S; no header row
{"hour": 6, "minute": 13}
